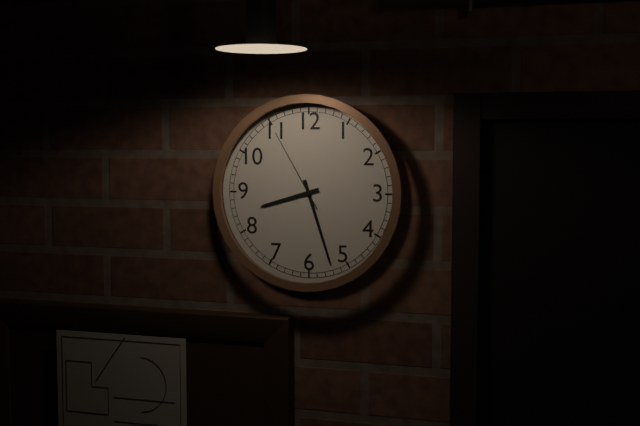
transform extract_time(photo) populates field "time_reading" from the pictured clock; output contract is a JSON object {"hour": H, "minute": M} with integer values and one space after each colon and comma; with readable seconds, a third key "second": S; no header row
{"hour": 8, "minute": 27, "second": 55}
